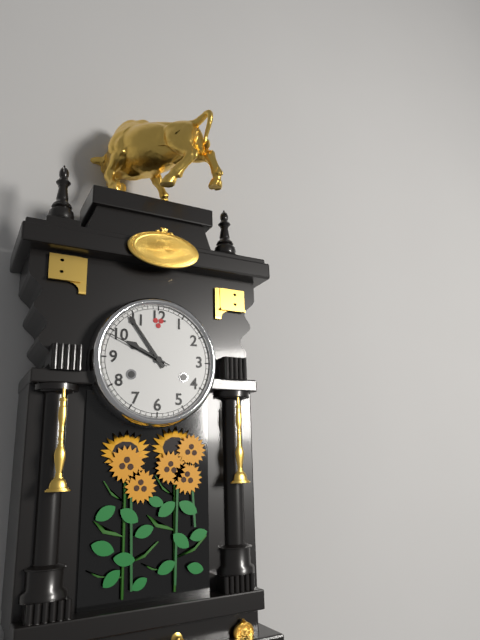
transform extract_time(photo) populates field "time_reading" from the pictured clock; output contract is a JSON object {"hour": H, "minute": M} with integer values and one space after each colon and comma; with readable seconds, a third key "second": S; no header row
{"hour": 9, "minute": 54, "second": 49}
